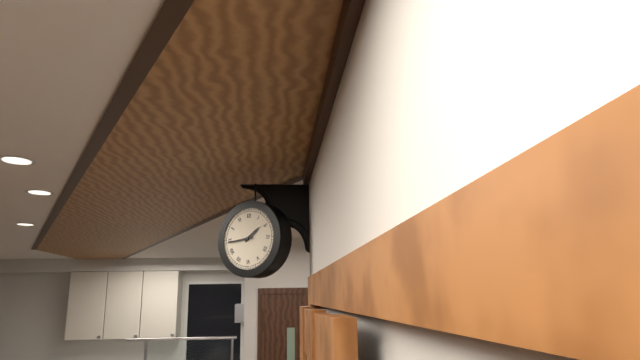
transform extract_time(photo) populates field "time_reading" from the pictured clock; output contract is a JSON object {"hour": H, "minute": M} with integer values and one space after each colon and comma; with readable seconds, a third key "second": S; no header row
{"hour": 1, "minute": 44}
